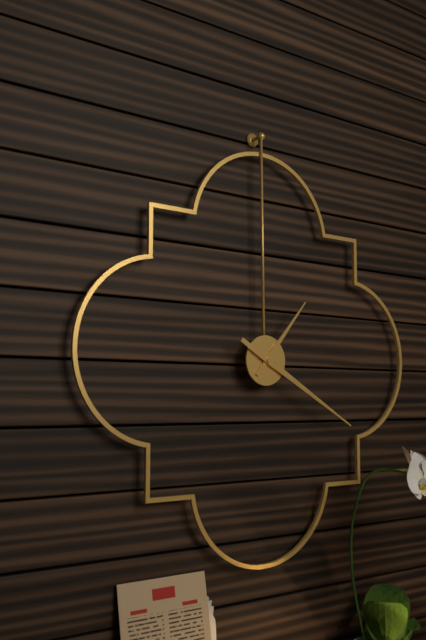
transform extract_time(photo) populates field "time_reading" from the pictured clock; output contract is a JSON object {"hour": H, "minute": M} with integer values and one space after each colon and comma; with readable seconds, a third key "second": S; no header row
{"hour": 1, "minute": 20}
